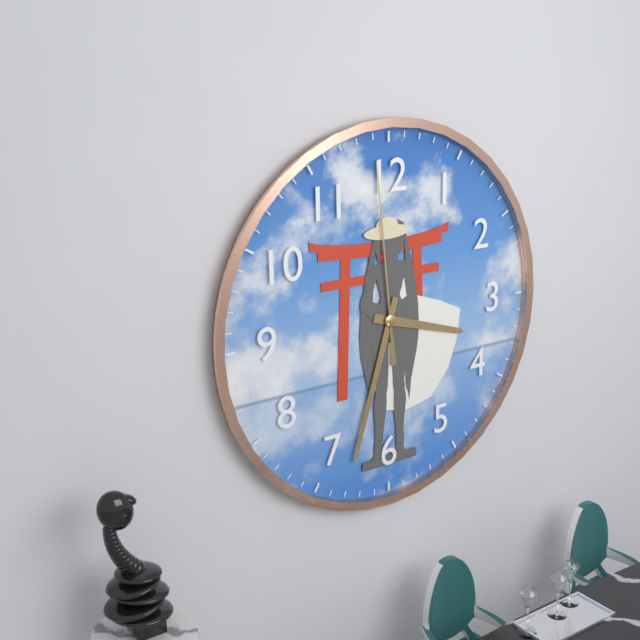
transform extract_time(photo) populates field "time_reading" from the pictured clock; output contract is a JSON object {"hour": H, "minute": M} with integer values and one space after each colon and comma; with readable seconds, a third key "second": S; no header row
{"hour": 3, "minute": 33, "second": 59}
